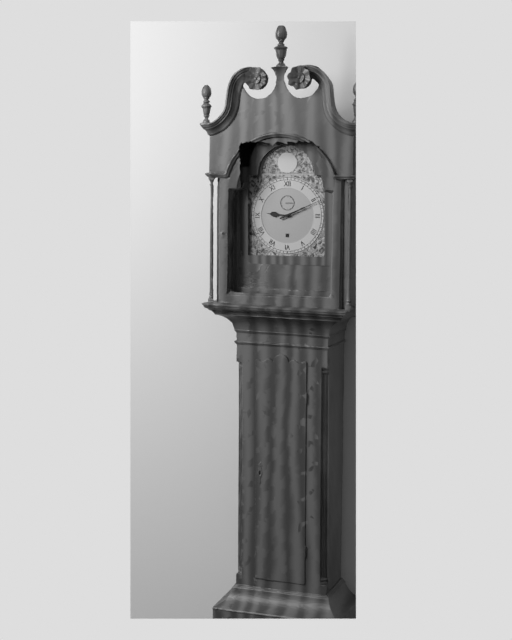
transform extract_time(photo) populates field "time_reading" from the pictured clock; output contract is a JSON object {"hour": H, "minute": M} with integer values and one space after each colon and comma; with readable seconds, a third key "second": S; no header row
{"hour": 9, "minute": 11}
